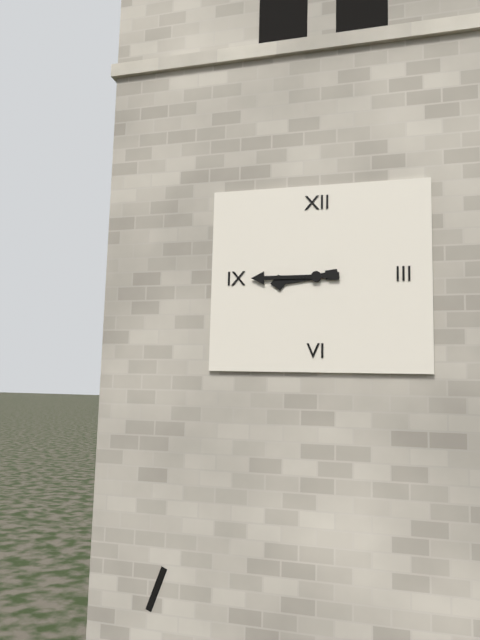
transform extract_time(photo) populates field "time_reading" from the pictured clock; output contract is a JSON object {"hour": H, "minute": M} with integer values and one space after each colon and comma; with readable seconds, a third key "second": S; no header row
{"hour": 8, "minute": 45}
